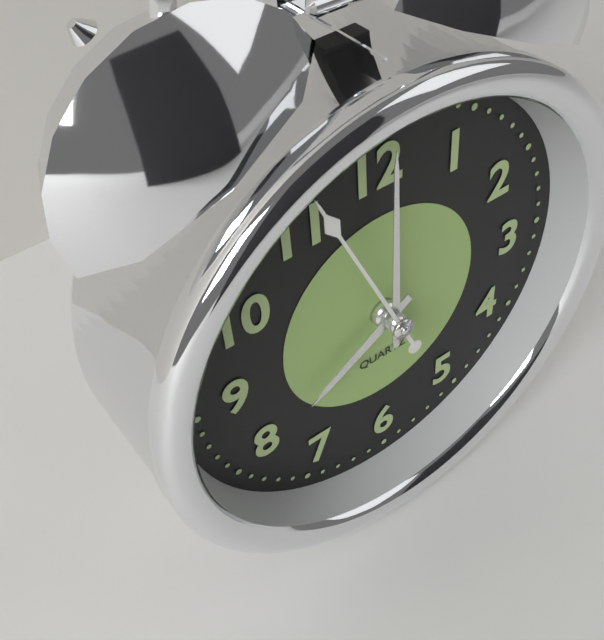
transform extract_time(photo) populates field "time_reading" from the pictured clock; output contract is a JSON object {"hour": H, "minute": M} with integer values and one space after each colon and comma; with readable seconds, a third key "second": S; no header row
{"hour": 8, "minute": 0, "second": 56}
